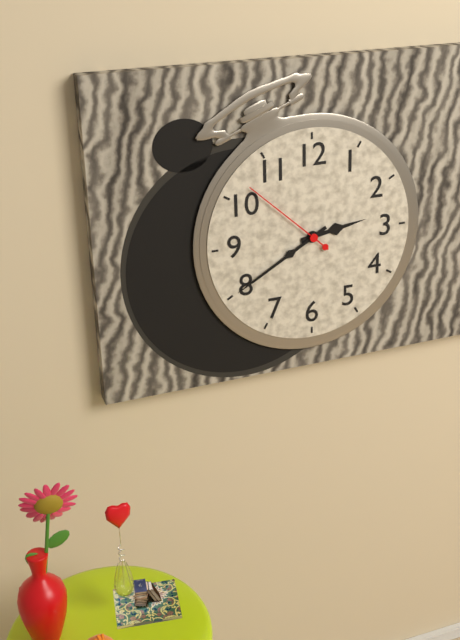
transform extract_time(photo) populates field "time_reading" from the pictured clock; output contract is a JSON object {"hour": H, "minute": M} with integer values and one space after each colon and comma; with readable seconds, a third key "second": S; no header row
{"hour": 2, "minute": 40, "second": 52}
